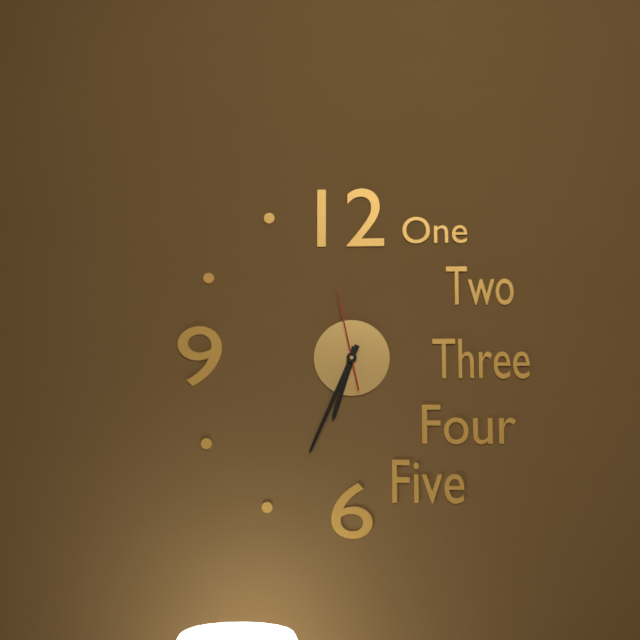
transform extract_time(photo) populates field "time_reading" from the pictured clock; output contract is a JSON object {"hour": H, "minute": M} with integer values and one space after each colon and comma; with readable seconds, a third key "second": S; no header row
{"hour": 6, "minute": 34, "second": 58}
